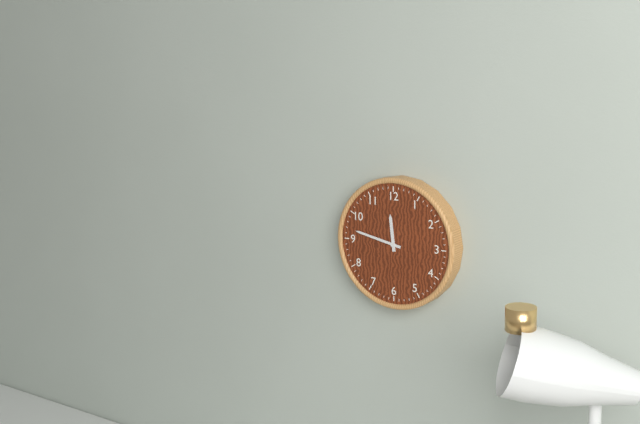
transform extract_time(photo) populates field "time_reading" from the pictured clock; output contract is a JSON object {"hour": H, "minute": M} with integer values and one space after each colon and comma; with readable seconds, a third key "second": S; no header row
{"hour": 11, "minute": 47}
